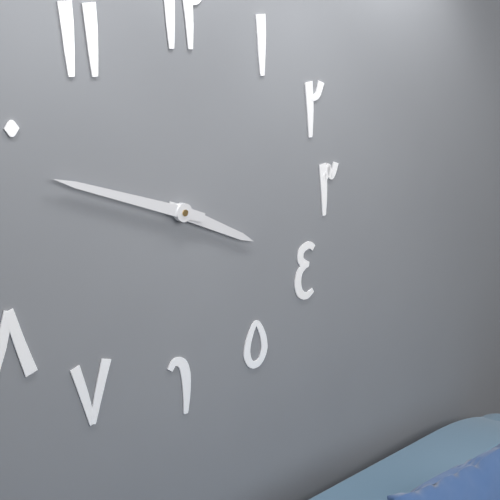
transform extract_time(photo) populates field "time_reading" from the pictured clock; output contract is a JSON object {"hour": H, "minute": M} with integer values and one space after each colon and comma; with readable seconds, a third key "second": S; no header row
{"hour": 3, "minute": 48}
